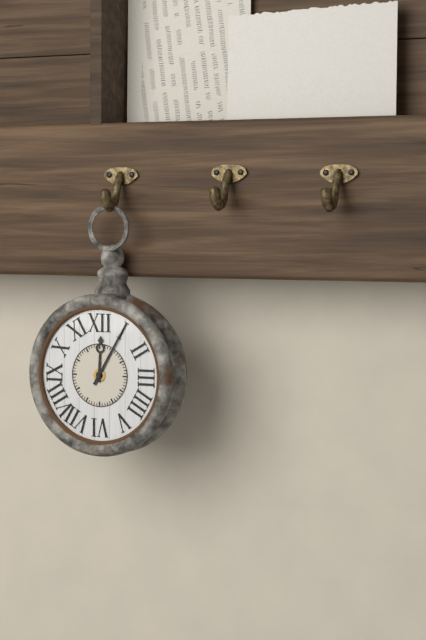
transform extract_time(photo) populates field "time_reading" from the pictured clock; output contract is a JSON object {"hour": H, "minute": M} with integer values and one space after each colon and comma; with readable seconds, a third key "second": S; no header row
{"hour": 12, "minute": 5}
